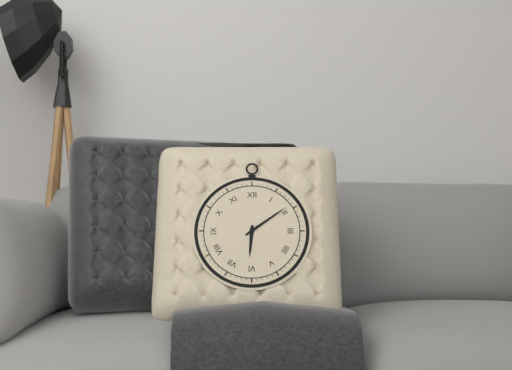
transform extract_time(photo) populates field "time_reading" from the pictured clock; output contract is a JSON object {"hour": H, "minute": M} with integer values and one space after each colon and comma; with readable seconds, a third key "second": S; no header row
{"hour": 6, "minute": 9}
